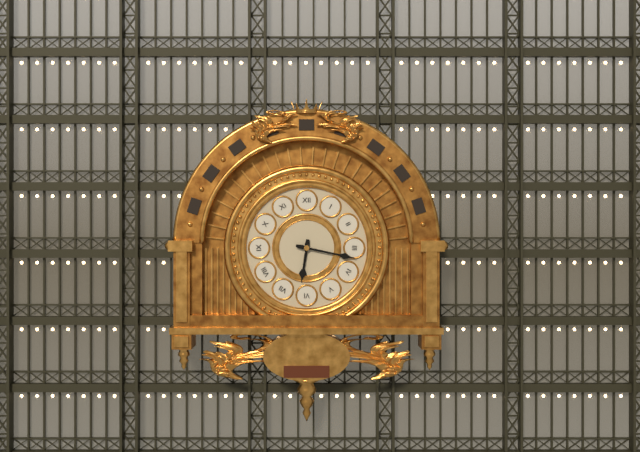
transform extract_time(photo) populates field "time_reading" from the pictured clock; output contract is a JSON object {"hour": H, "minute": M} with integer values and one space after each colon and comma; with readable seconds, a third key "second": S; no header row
{"hour": 6, "minute": 17}
